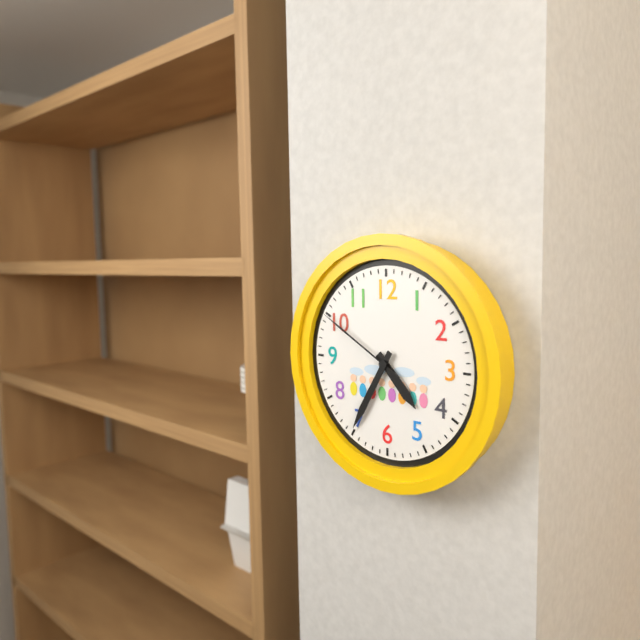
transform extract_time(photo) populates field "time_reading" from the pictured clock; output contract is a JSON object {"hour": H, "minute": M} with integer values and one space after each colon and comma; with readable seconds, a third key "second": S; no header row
{"hour": 4, "minute": 35, "second": 50}
